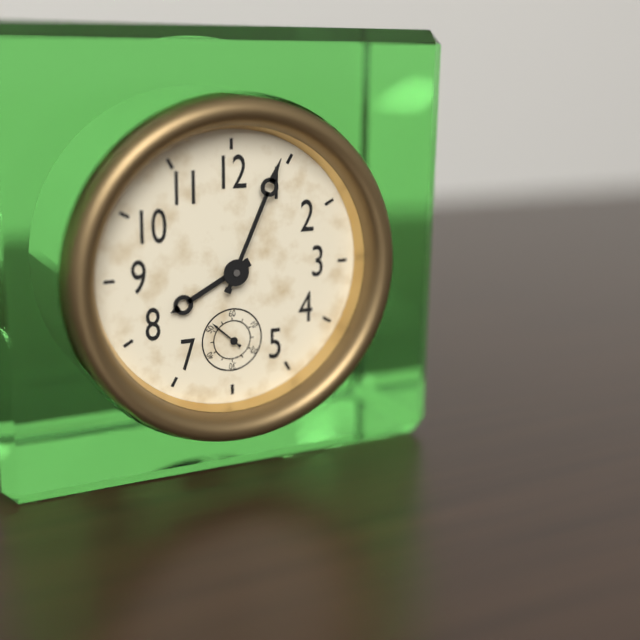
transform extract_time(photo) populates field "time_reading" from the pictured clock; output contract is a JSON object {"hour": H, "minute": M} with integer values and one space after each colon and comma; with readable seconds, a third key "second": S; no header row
{"hour": 8, "minute": 4}
